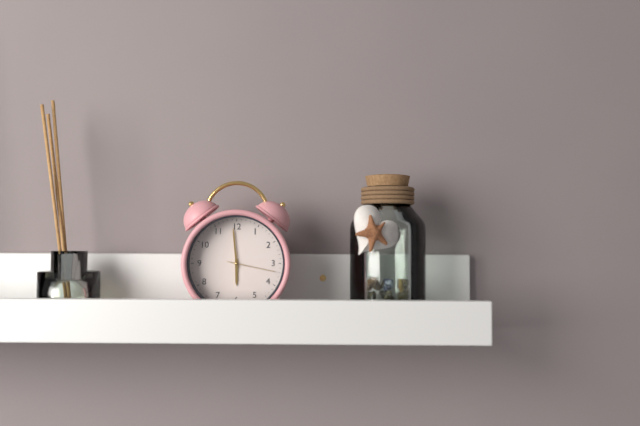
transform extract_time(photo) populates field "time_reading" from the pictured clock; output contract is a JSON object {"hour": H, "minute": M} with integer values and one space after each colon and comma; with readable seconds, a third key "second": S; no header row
{"hour": 5, "minute": 59}
